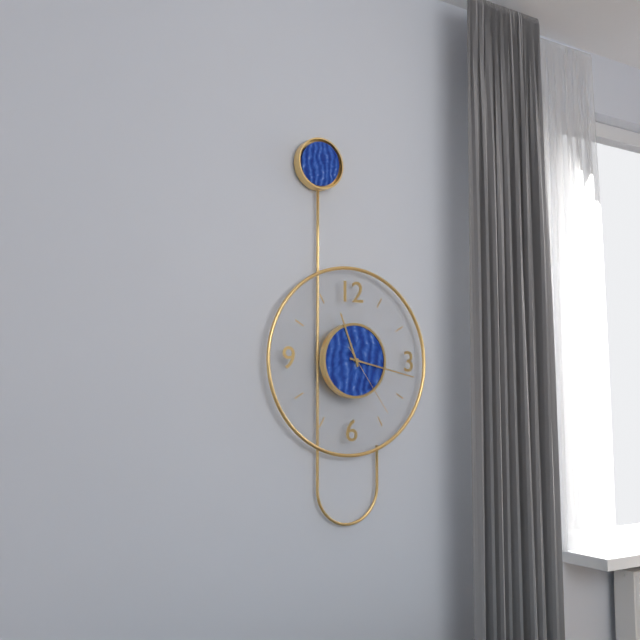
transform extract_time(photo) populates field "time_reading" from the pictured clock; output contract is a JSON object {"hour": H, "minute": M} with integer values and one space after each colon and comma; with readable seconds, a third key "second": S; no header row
{"hour": 11, "minute": 17, "second": 24}
